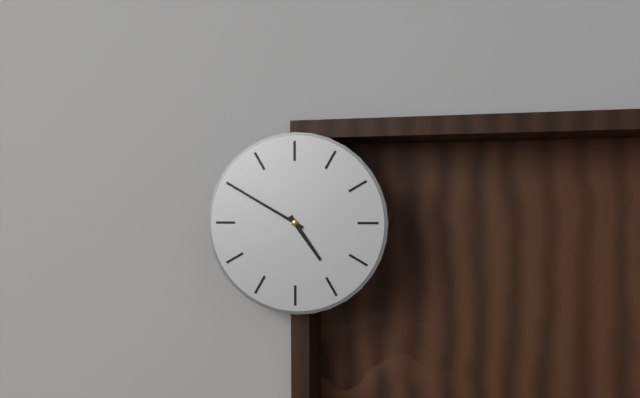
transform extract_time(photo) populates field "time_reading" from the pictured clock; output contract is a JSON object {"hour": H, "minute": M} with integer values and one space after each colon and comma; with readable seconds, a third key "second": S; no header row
{"hour": 4, "minute": 50}
